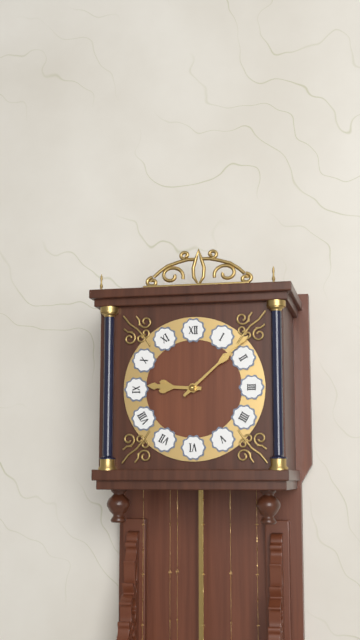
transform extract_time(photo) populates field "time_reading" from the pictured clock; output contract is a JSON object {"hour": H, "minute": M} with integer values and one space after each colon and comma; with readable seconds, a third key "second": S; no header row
{"hour": 9, "minute": 8}
